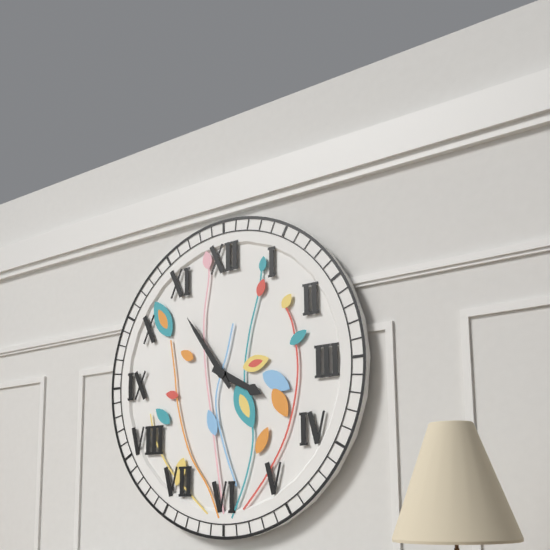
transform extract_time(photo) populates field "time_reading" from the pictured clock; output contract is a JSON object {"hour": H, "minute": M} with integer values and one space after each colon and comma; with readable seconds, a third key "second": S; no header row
{"hour": 3, "minute": 54}
